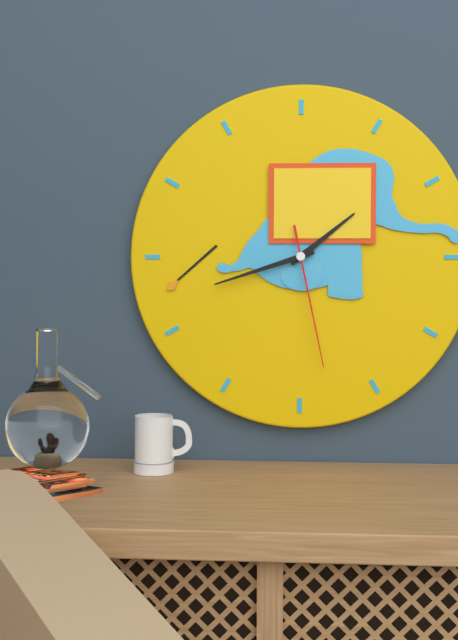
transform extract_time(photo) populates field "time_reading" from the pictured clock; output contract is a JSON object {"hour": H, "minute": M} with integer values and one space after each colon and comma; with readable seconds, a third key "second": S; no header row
{"hour": 1, "minute": 42, "second": 28}
